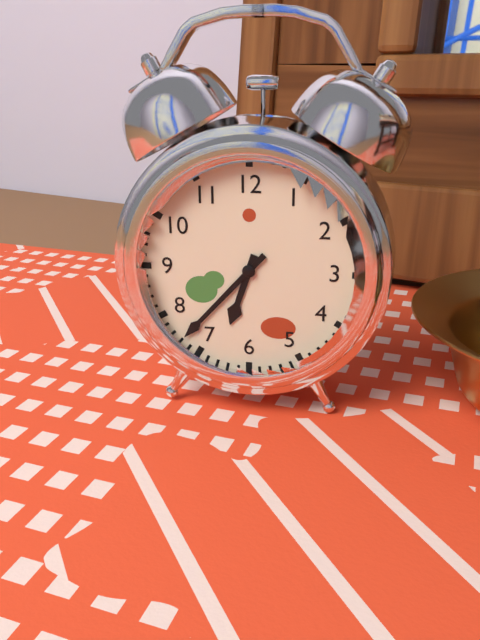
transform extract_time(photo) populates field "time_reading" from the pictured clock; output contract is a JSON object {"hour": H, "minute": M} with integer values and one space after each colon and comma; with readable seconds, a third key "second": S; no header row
{"hour": 6, "minute": 37}
